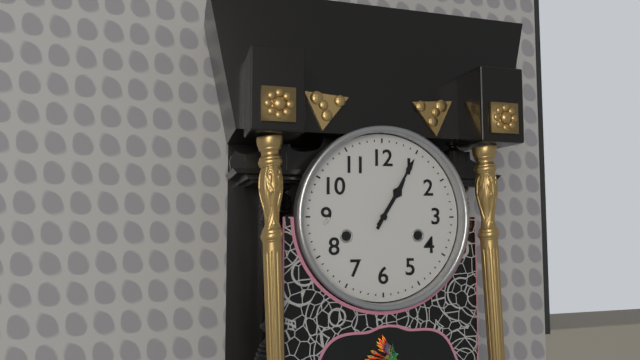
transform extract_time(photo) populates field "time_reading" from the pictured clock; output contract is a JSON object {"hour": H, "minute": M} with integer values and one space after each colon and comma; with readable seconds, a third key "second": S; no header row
{"hour": 1, "minute": 5}
